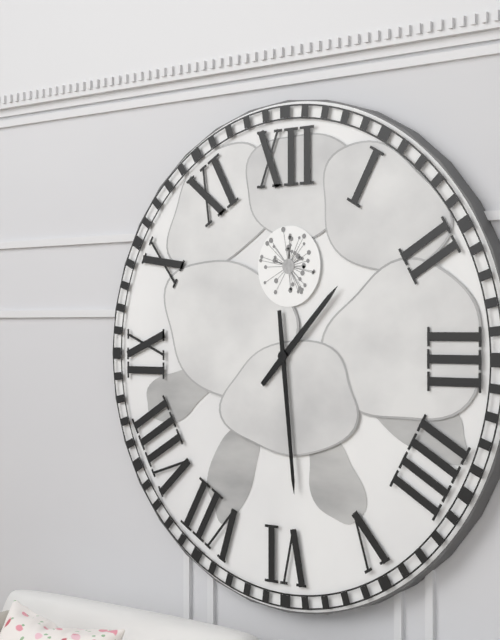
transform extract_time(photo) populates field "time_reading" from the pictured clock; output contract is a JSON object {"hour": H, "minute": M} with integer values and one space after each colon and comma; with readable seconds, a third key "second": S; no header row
{"hour": 1, "minute": 29}
